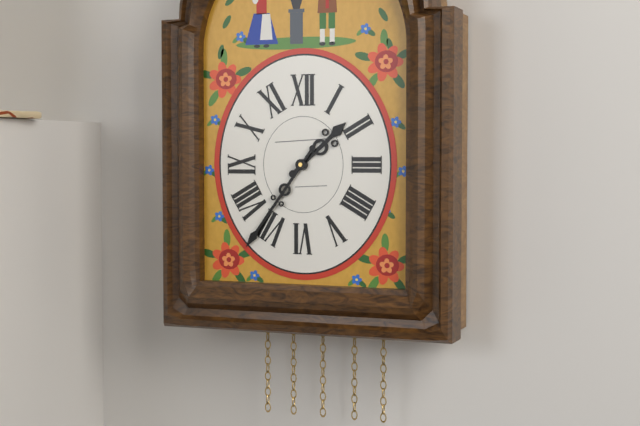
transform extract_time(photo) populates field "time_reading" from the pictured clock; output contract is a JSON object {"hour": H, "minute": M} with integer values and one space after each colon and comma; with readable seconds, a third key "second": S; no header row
{"hour": 1, "minute": 36}
